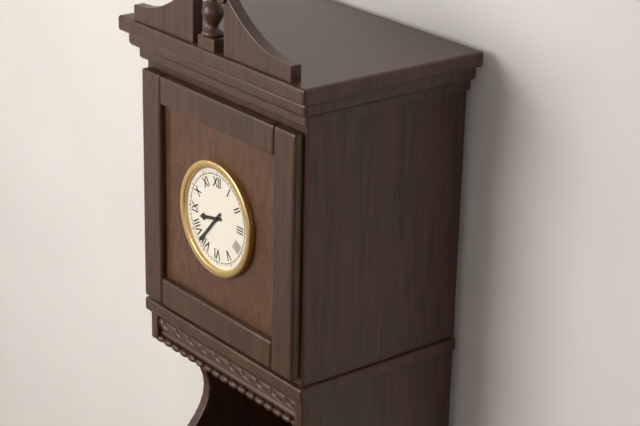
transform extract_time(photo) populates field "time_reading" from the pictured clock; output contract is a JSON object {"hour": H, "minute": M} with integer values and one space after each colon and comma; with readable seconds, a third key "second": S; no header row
{"hour": 8, "minute": 37}
